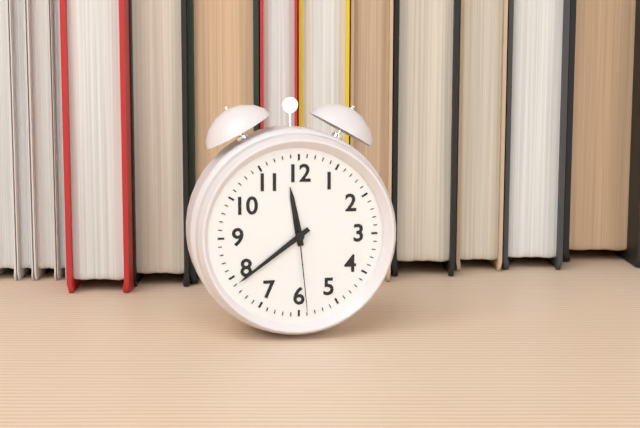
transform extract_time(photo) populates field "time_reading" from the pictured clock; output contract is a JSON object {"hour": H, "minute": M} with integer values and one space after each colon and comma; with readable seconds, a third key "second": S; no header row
{"hour": 11, "minute": 39, "second": 29}
